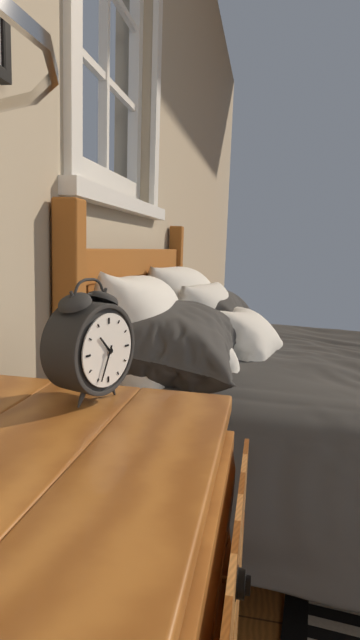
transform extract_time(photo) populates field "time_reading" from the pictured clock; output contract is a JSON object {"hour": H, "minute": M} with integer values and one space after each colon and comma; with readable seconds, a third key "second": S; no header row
{"hour": 10, "minute": 34}
